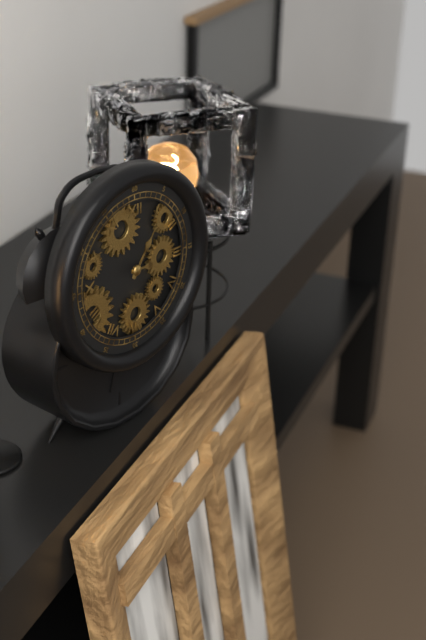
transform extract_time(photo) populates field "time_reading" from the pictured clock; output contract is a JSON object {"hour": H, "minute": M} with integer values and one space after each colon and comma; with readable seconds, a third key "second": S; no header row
{"hour": 3, "minute": 6}
